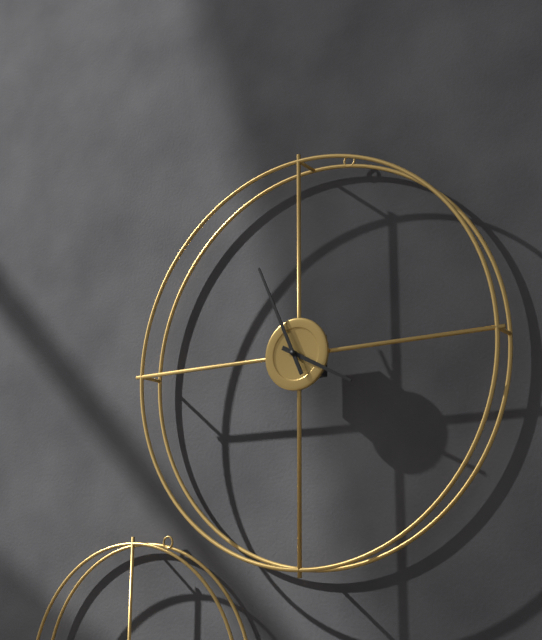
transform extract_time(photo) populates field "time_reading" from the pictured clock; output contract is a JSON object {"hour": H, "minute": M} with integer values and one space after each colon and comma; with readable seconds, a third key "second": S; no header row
{"hour": 3, "minute": 56}
